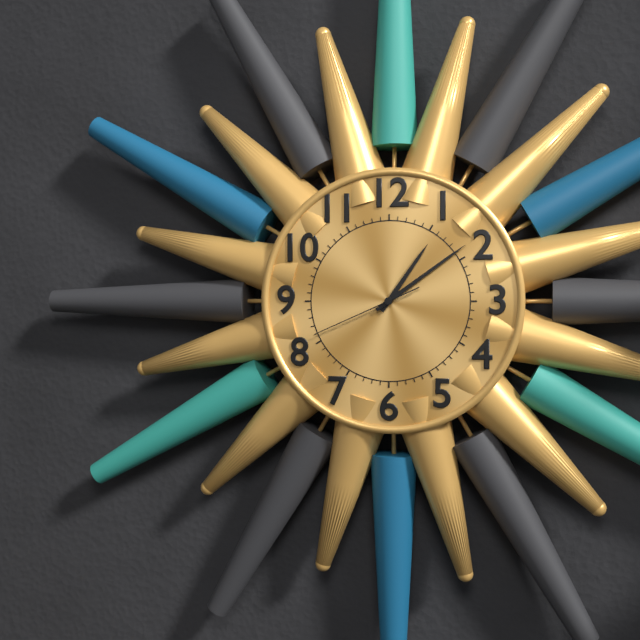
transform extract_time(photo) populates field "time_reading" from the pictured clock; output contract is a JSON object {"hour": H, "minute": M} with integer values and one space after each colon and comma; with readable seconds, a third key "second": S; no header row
{"hour": 1, "minute": 9, "second": 41}
